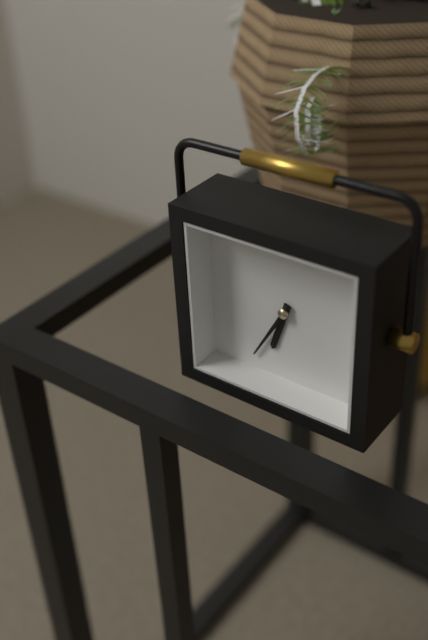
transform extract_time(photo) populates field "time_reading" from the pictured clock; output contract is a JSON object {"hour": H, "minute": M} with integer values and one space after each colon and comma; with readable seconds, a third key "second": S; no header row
{"hour": 6, "minute": 35}
